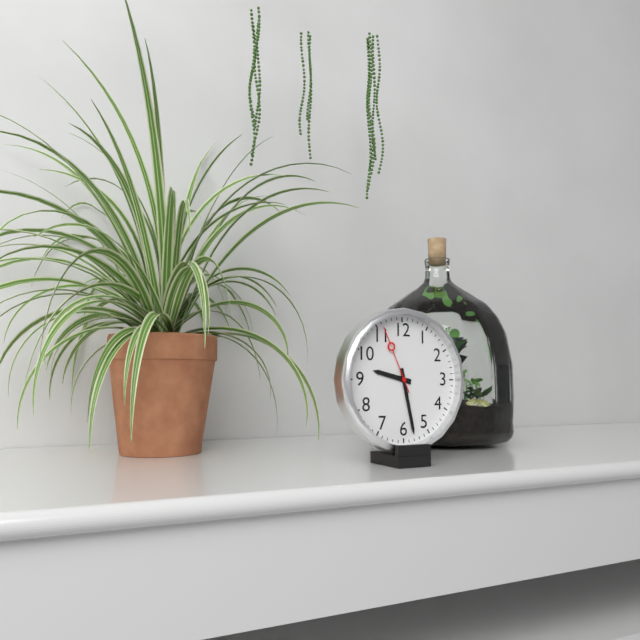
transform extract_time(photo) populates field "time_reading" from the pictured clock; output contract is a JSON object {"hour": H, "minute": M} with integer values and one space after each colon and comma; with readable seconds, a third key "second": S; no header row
{"hour": 9, "minute": 28, "second": 56}
